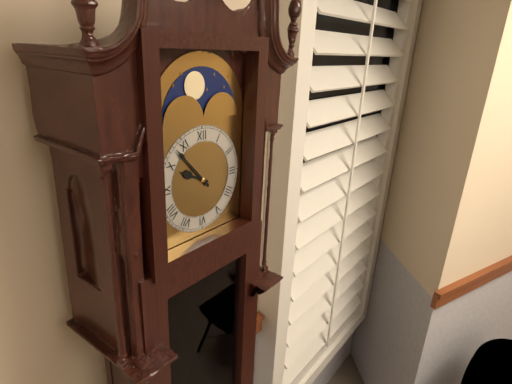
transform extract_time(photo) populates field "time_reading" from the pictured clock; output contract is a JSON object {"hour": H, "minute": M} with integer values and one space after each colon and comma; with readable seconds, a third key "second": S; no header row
{"hour": 9, "minute": 53}
